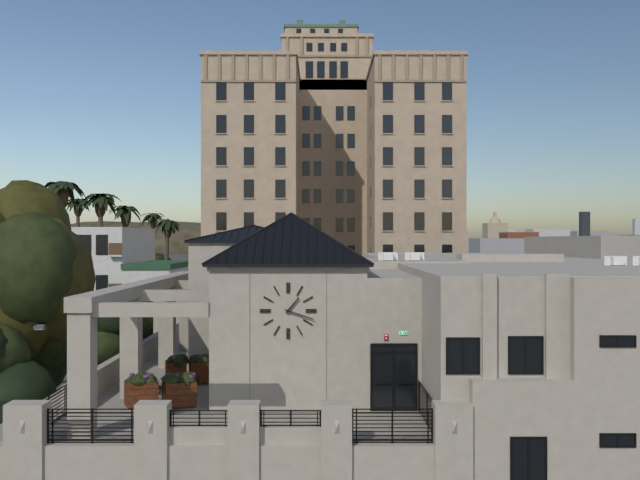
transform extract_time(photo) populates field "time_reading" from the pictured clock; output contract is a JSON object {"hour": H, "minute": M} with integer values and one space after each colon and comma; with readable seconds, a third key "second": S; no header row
{"hour": 1, "minute": 18}
